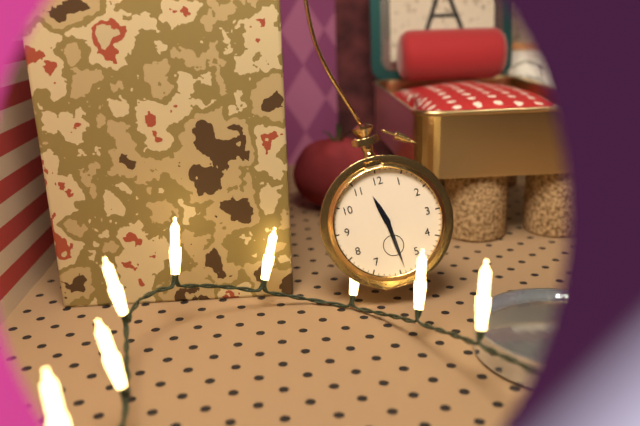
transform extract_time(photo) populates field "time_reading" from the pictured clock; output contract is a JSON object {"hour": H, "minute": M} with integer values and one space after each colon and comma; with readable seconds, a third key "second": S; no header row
{"hour": 11, "minute": 29}
